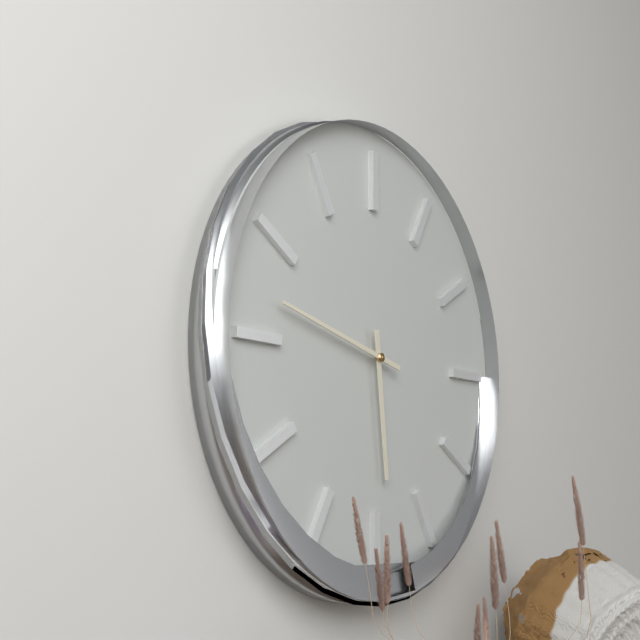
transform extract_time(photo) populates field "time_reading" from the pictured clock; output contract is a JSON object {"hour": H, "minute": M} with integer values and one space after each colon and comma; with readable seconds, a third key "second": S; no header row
{"hour": 5, "minute": 47}
